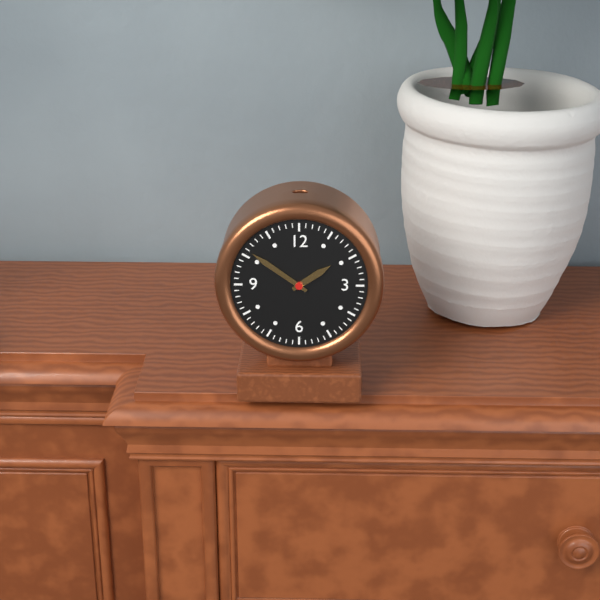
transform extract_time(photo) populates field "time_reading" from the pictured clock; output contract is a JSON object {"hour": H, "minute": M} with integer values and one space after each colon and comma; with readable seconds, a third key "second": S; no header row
{"hour": 1, "minute": 51}
